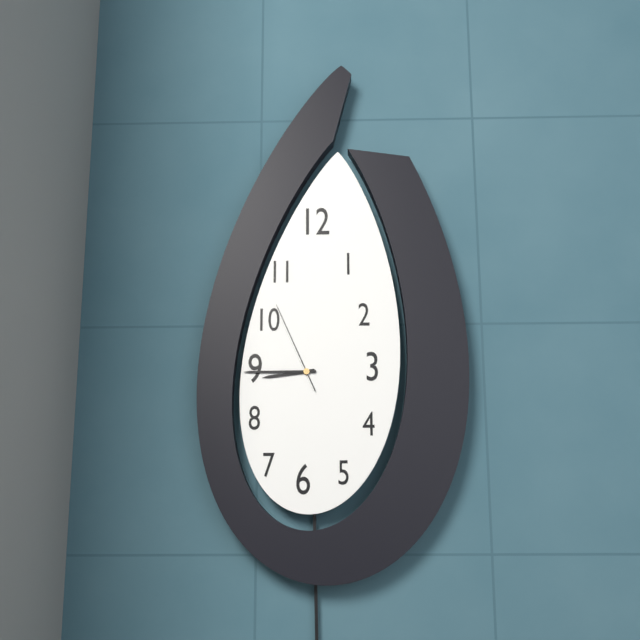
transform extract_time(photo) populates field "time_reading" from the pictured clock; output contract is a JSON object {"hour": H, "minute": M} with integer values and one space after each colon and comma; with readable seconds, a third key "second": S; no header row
{"hour": 8, "minute": 45, "second": 56}
